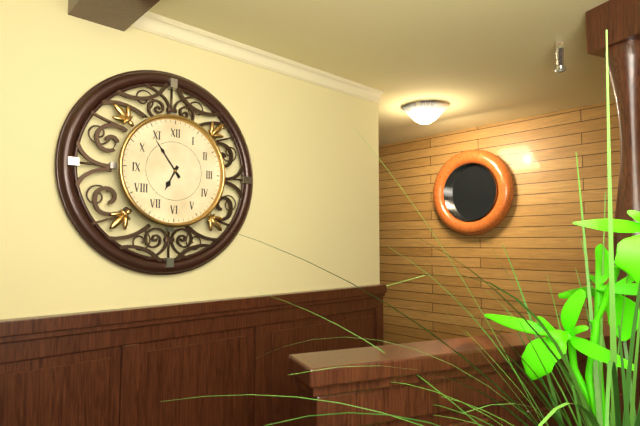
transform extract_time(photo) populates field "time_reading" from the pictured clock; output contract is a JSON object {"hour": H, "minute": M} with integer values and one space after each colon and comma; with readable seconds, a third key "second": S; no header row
{"hour": 6, "minute": 54}
